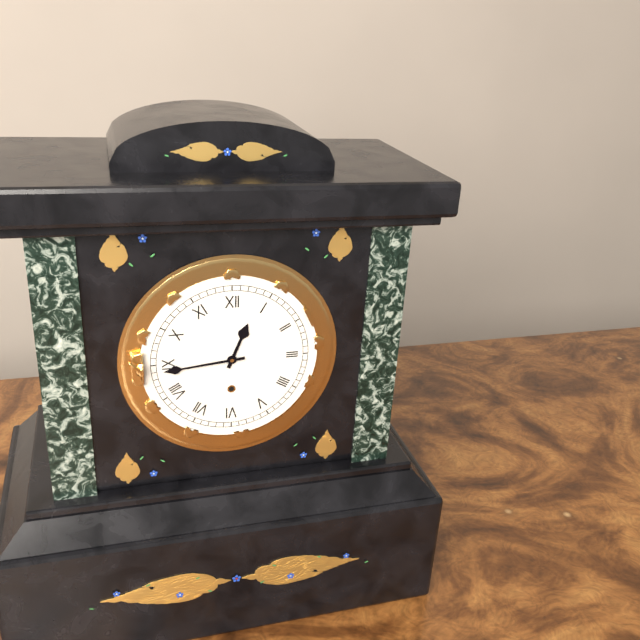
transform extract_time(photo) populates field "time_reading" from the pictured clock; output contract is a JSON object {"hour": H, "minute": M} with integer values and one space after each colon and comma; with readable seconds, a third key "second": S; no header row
{"hour": 12, "minute": 44}
